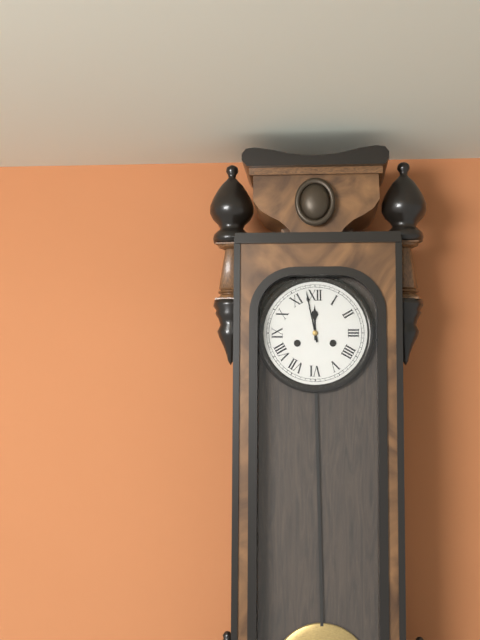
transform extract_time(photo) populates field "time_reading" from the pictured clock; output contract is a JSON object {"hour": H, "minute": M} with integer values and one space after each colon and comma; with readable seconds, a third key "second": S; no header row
{"hour": 11, "minute": 58}
